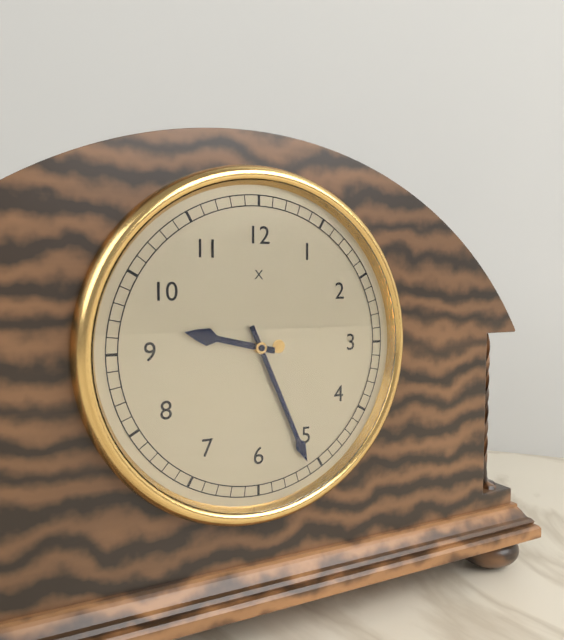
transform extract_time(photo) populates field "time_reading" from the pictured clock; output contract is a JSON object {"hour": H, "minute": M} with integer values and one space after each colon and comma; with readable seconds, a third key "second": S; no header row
{"hour": 9, "minute": 26}
